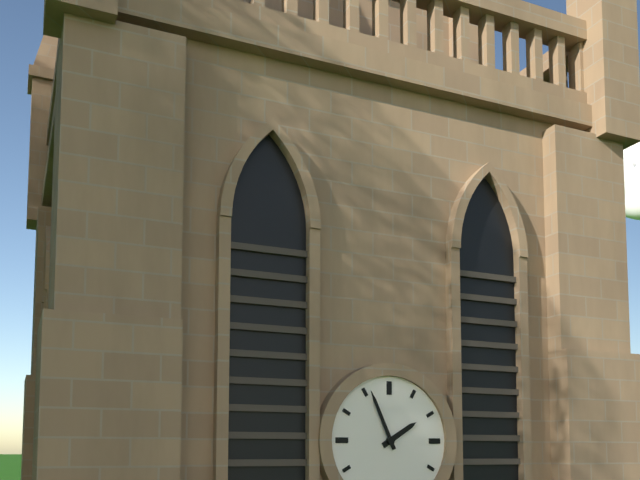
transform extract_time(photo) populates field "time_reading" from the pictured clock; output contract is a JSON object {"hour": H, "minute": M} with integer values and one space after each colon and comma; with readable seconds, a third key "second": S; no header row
{"hour": 1, "minute": 56}
